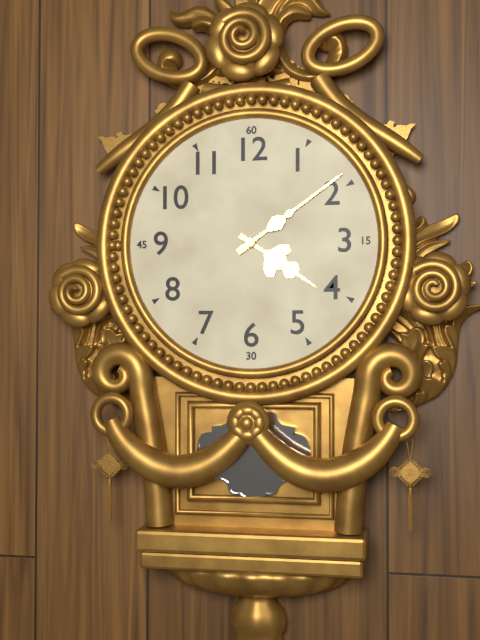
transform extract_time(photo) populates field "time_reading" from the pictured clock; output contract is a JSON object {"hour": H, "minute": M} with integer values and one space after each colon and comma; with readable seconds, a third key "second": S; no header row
{"hour": 4, "minute": 9}
